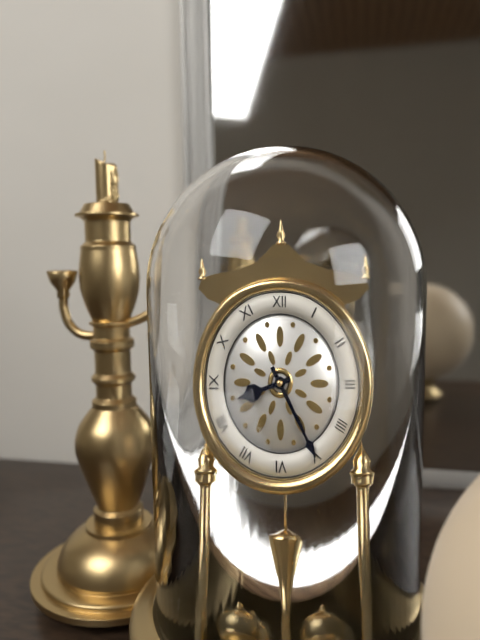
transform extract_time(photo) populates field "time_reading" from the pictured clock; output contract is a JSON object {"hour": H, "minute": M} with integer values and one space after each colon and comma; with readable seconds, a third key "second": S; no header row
{"hour": 8, "minute": 25}
